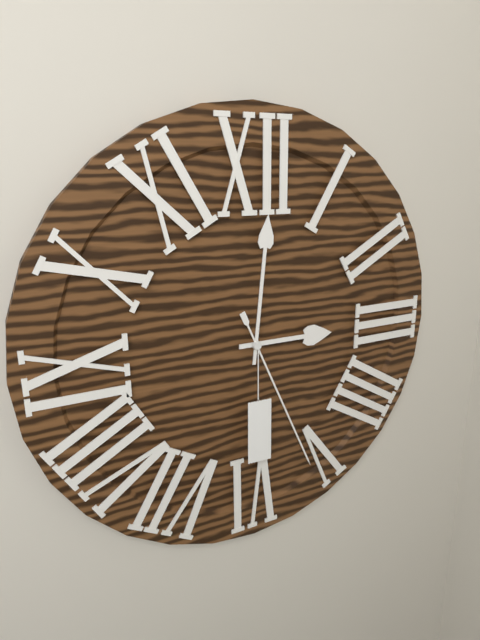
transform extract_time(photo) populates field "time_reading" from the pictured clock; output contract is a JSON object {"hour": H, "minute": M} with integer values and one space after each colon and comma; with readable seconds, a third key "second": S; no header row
{"hour": 3, "minute": 1, "second": 26}
